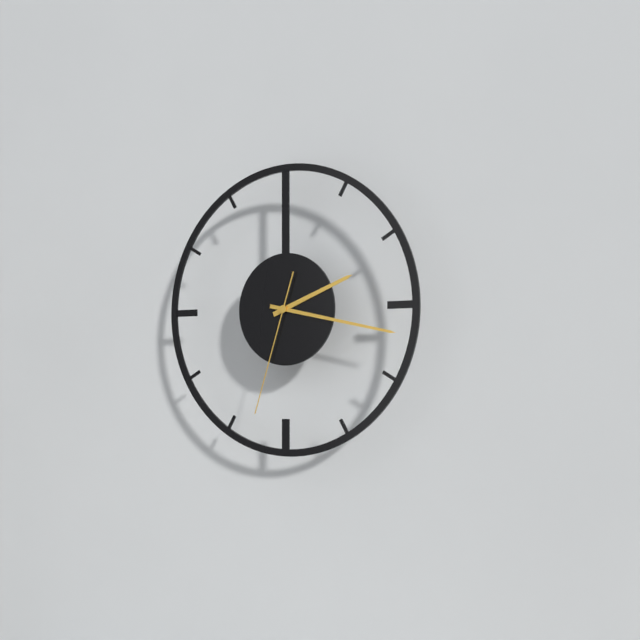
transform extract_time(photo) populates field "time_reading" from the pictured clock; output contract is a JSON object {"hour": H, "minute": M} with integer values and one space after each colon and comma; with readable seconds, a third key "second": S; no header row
{"hour": 2, "minute": 17, "second": 33}
